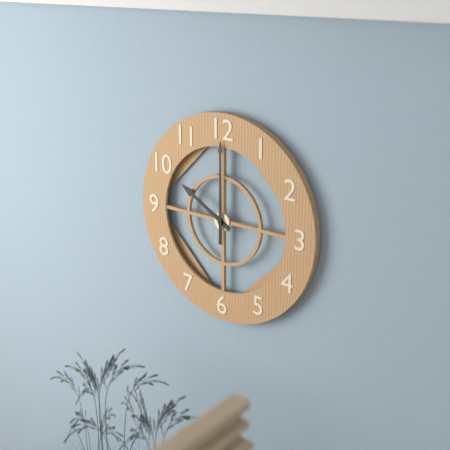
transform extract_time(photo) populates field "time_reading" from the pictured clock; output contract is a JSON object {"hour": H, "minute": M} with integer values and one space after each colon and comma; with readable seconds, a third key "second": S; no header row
{"hour": 10, "minute": 0}
